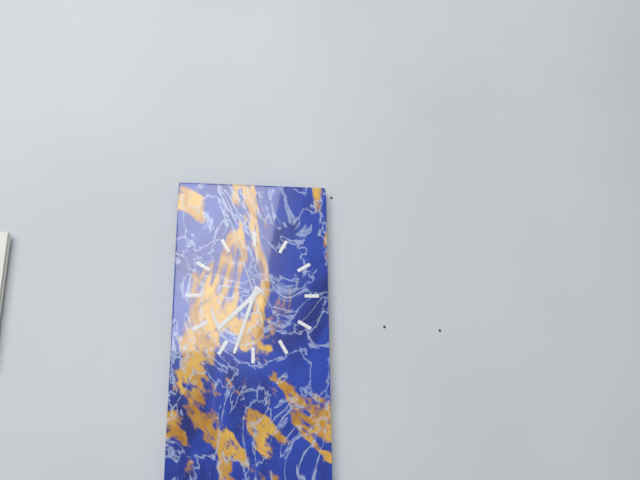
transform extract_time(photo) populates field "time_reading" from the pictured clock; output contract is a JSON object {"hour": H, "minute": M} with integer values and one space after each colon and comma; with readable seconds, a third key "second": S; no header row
{"hour": 7, "minute": 33, "second": 57}
